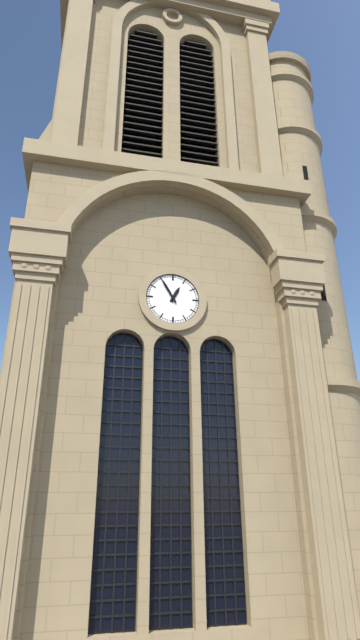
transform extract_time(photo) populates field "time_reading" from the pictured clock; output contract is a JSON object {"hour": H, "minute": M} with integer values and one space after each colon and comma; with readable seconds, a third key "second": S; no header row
{"hour": 12, "minute": 55}
